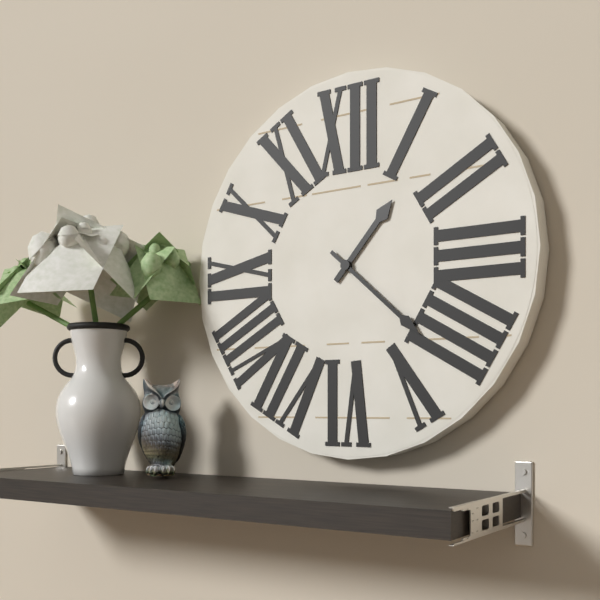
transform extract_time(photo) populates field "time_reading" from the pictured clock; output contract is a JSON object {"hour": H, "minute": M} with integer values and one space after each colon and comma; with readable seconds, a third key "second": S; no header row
{"hour": 1, "minute": 22}
